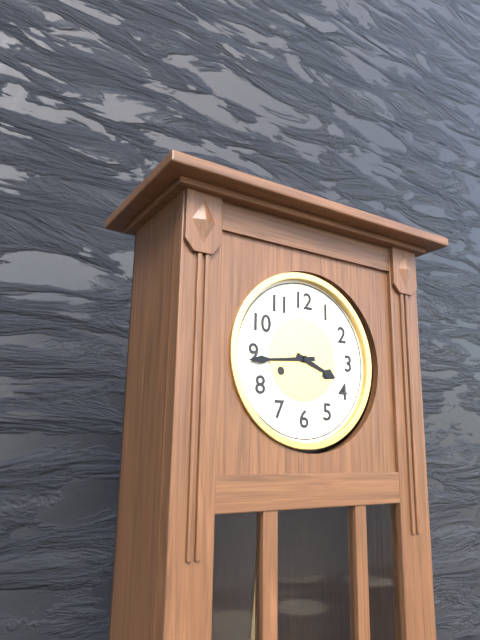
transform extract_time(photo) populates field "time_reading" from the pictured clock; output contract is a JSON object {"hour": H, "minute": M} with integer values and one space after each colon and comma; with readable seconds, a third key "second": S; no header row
{"hour": 3, "minute": 44}
